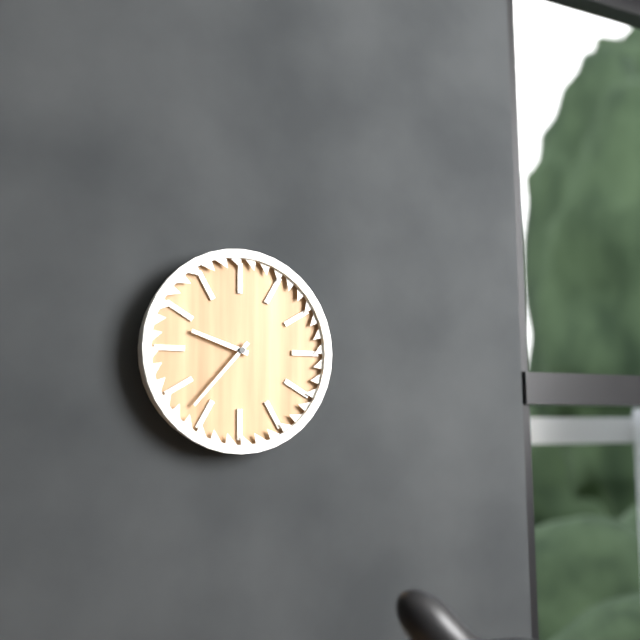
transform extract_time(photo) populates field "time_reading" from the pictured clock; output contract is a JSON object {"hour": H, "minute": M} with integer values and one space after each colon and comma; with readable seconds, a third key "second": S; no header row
{"hour": 9, "minute": 37}
